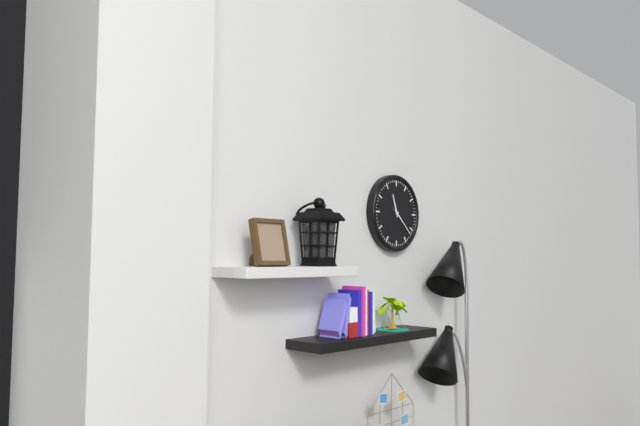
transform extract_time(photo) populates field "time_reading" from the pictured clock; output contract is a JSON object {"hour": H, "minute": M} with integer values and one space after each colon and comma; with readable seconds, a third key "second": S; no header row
{"hour": 11, "minute": 22}
